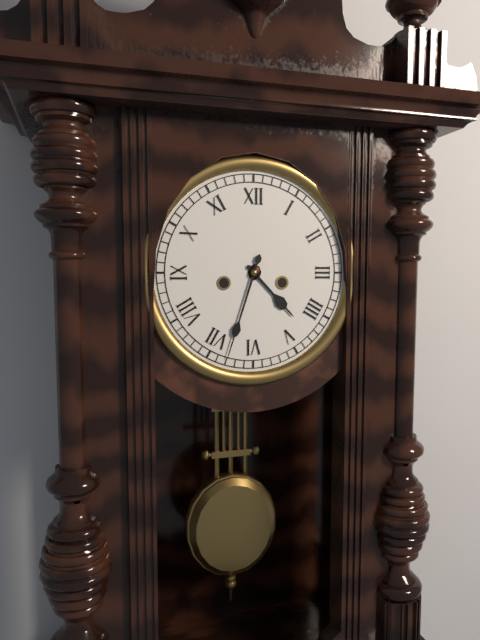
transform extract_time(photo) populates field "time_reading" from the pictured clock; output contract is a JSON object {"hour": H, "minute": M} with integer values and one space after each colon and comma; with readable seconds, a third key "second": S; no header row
{"hour": 4, "minute": 33}
